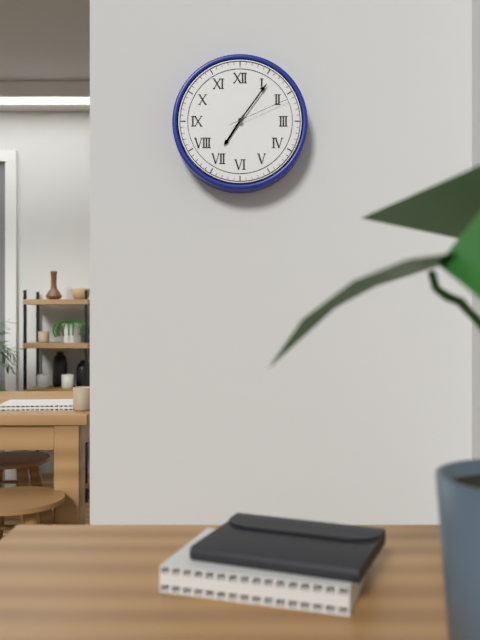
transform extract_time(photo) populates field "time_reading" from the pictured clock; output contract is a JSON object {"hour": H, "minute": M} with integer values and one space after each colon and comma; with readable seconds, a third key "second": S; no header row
{"hour": 7, "minute": 6, "second": 11}
